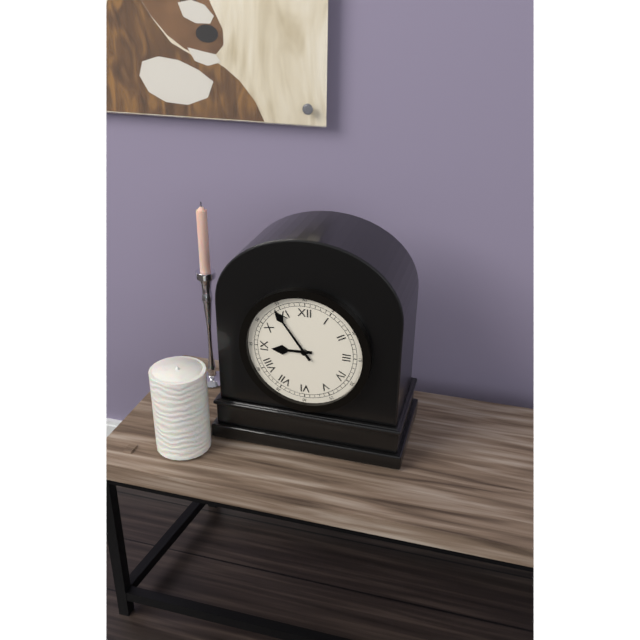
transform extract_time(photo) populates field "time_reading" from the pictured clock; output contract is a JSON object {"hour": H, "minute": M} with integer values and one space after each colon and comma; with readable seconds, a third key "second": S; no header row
{"hour": 8, "minute": 54}
